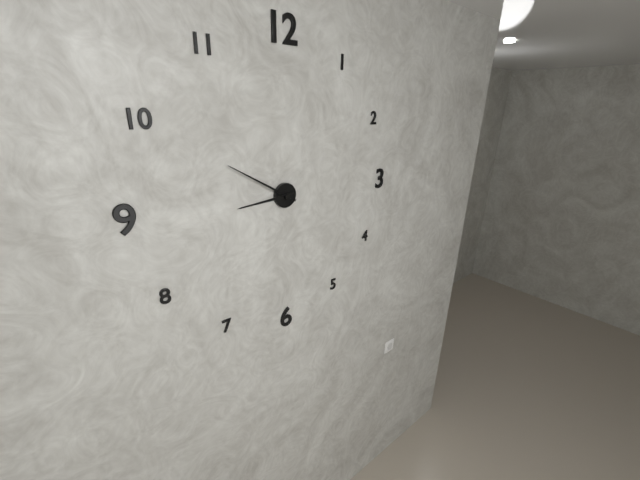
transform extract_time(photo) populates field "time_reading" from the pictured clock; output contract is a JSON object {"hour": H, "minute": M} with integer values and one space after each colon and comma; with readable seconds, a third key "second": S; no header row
{"hour": 8, "minute": 50}
